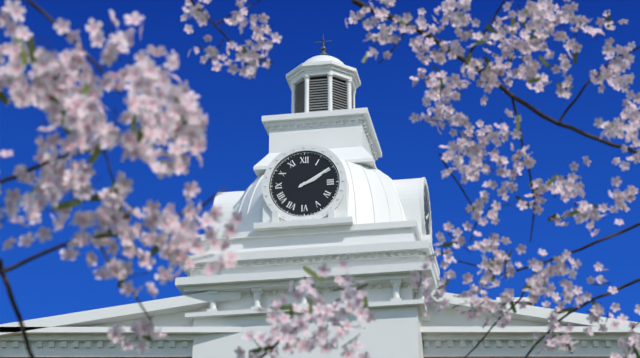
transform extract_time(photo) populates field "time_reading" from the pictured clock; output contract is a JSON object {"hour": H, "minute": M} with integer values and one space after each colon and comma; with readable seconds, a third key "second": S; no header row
{"hour": 2, "minute": 10}
